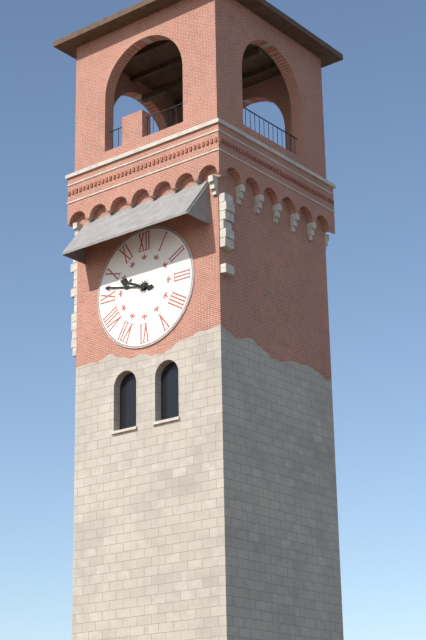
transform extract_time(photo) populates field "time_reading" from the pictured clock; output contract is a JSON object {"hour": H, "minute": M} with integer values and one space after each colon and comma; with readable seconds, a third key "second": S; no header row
{"hour": 9, "minute": 47}
